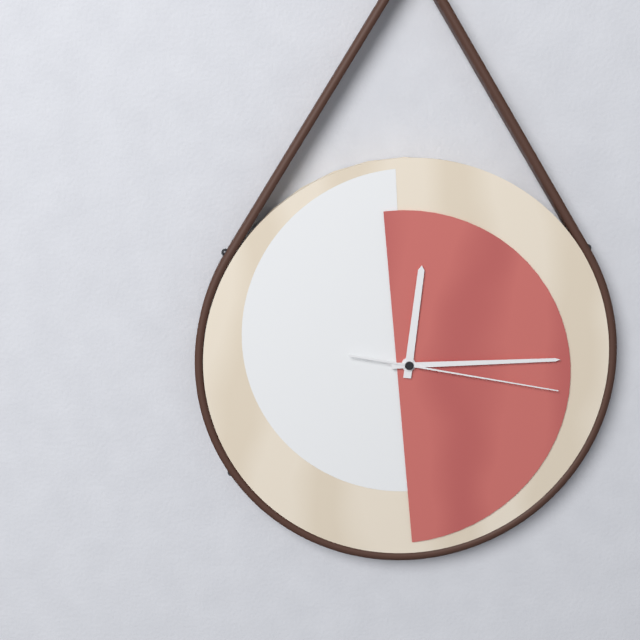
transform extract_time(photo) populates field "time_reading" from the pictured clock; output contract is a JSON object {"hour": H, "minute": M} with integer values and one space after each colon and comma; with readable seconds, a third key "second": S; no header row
{"hour": 12, "minute": 15, "second": 17}
